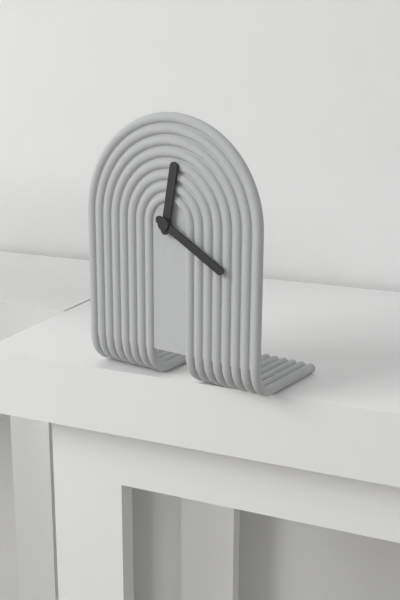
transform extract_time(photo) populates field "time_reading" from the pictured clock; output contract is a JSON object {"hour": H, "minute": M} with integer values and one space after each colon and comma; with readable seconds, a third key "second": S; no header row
{"hour": 12, "minute": 20}
